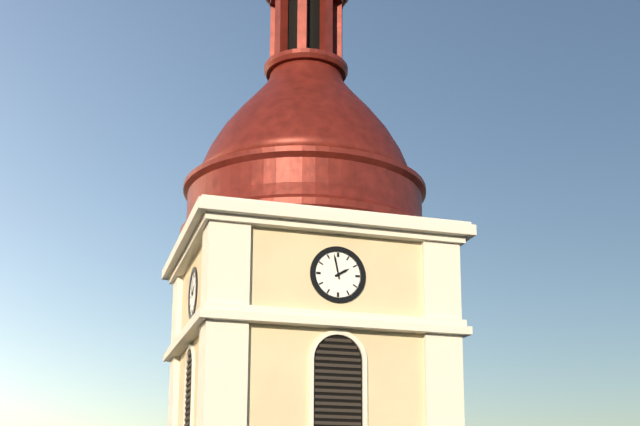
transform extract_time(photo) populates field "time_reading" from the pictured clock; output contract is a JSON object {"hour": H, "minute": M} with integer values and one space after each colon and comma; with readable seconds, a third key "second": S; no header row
{"hour": 1, "minute": 58}
